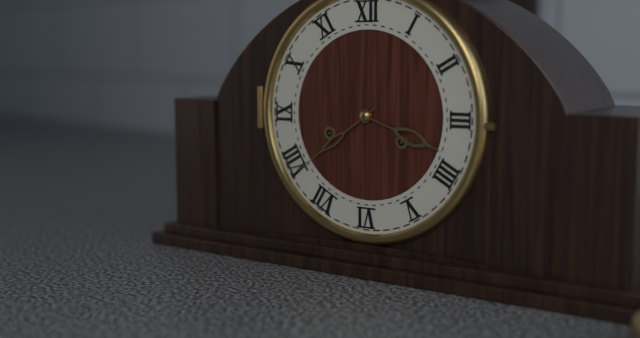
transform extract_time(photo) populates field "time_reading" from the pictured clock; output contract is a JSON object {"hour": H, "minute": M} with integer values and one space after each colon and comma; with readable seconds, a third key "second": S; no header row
{"hour": 3, "minute": 39}
